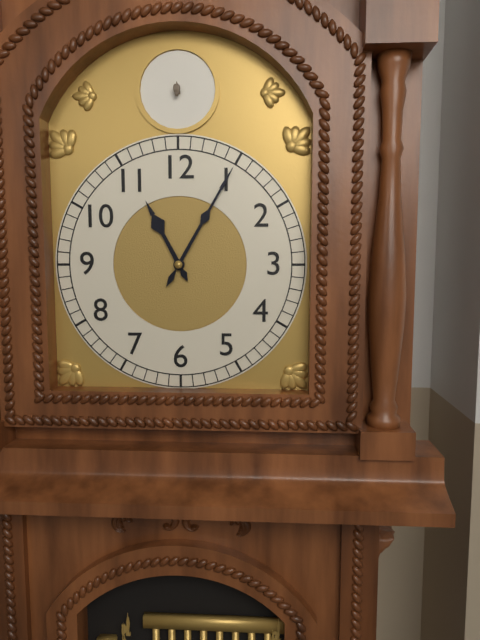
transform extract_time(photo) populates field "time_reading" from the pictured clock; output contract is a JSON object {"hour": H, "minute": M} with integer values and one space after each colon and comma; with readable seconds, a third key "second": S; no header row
{"hour": 11, "minute": 5}
